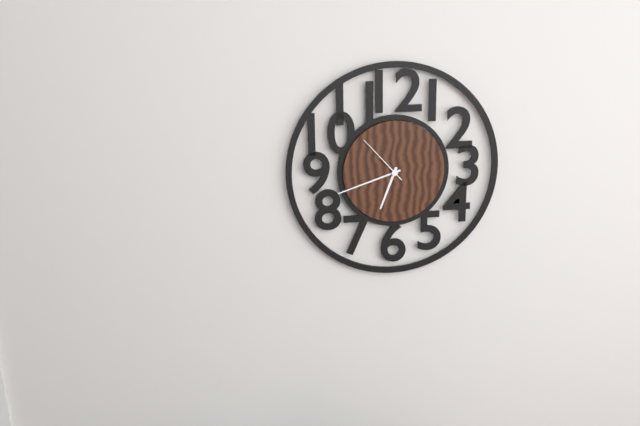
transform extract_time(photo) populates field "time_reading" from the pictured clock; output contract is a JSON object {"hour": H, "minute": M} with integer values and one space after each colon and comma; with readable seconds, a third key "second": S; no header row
{"hour": 6, "minute": 42, "second": 53}
